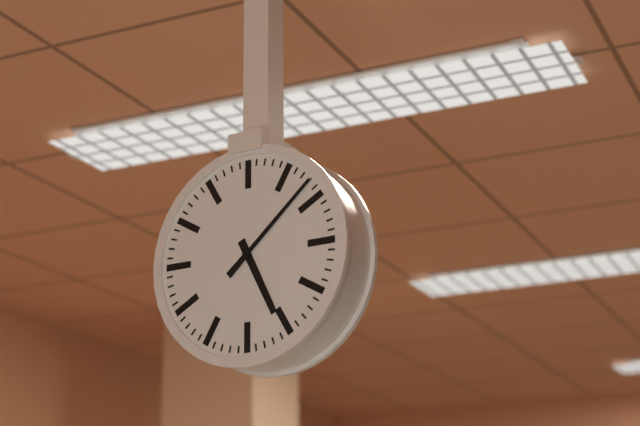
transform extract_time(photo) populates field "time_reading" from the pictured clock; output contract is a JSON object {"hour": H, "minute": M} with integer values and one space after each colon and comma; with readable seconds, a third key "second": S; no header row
{"hour": 5, "minute": 8}
